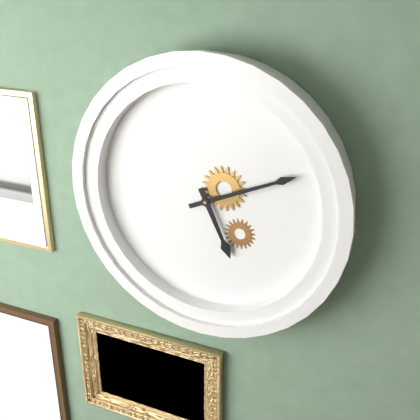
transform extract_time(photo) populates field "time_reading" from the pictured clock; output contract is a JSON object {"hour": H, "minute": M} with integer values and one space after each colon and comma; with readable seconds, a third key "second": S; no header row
{"hour": 5, "minute": 11}
